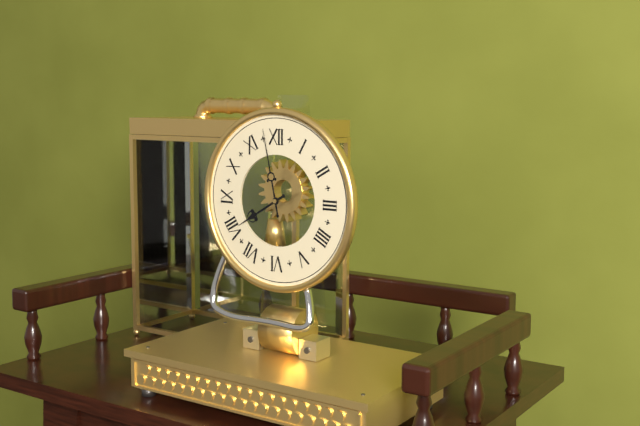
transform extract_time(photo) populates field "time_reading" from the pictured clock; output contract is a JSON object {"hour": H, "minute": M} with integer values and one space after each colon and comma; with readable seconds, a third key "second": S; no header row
{"hour": 7, "minute": 58}
